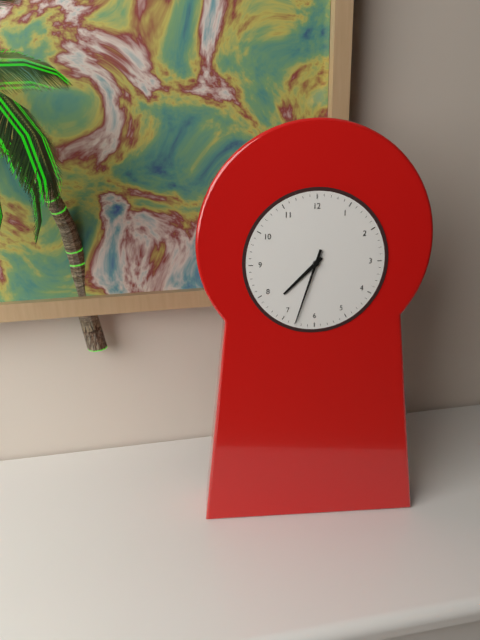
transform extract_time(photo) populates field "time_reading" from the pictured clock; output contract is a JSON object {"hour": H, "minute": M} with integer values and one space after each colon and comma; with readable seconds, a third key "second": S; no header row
{"hour": 7, "minute": 33}
